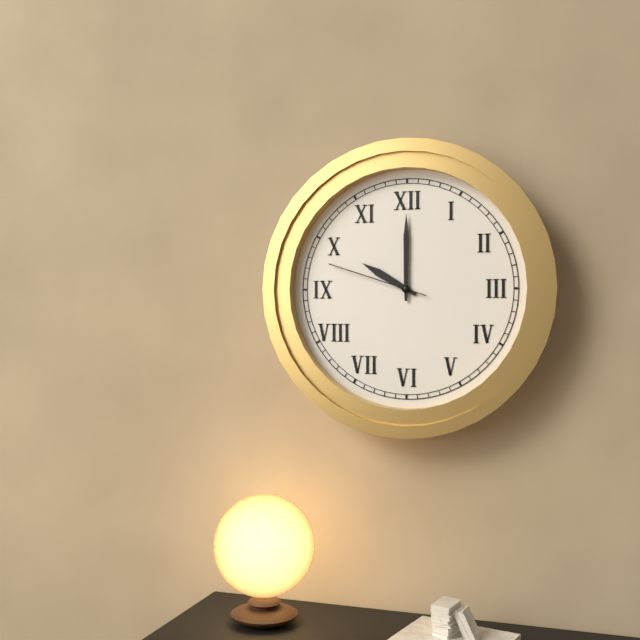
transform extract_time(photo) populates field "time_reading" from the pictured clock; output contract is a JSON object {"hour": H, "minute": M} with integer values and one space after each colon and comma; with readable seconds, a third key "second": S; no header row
{"hour": 10, "minute": 0, "second": 48}
